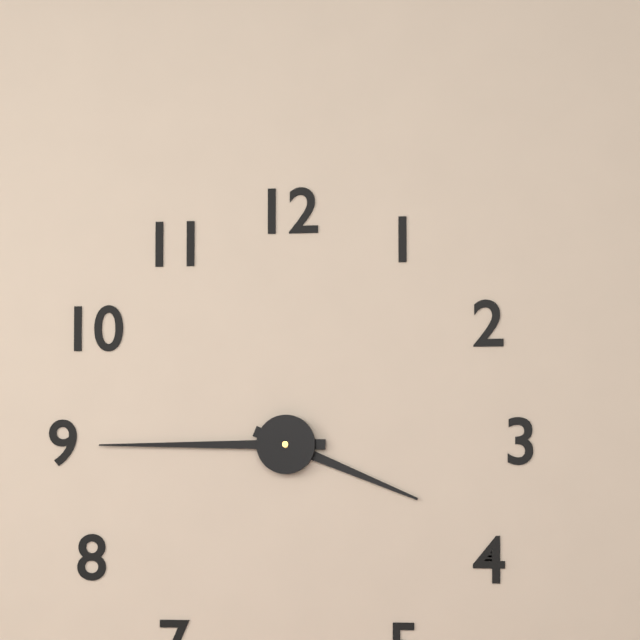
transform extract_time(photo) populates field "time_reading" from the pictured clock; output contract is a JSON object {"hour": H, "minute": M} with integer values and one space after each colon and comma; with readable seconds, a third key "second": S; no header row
{"hour": 3, "minute": 45}
